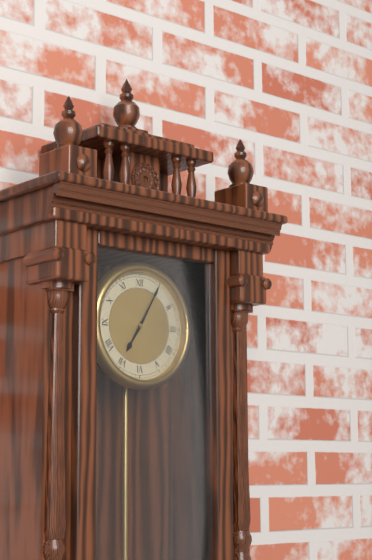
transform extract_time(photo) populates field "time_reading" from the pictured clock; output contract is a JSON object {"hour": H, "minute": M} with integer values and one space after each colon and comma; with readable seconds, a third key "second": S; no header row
{"hour": 7, "minute": 5}
